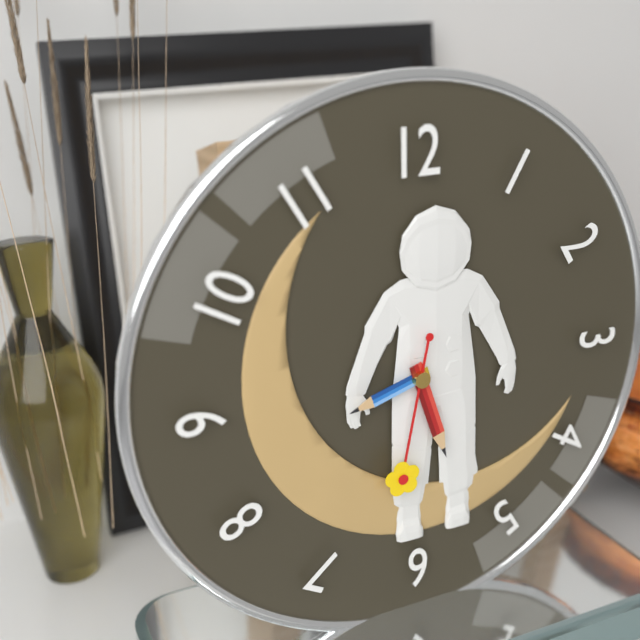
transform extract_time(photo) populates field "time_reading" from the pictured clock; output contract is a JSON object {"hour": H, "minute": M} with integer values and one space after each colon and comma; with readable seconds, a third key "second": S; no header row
{"hour": 8, "minute": 27, "second": 32}
